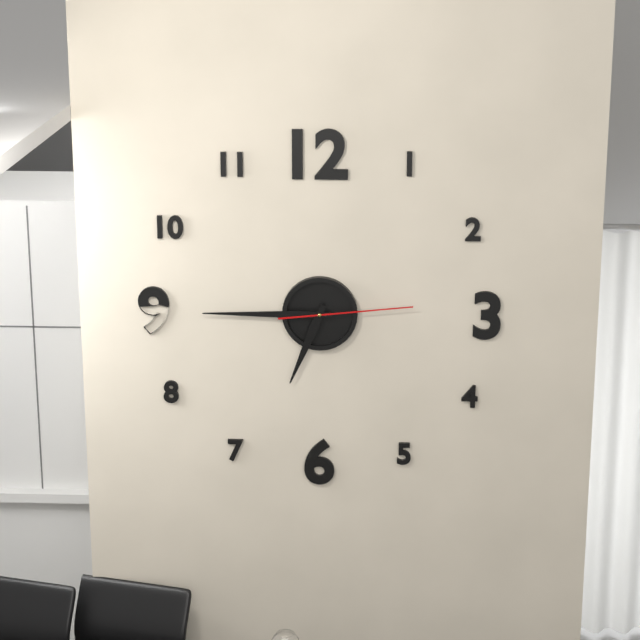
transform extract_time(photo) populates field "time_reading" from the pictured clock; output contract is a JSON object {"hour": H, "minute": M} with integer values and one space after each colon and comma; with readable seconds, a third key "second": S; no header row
{"hour": 6, "minute": 45, "second": 14}
